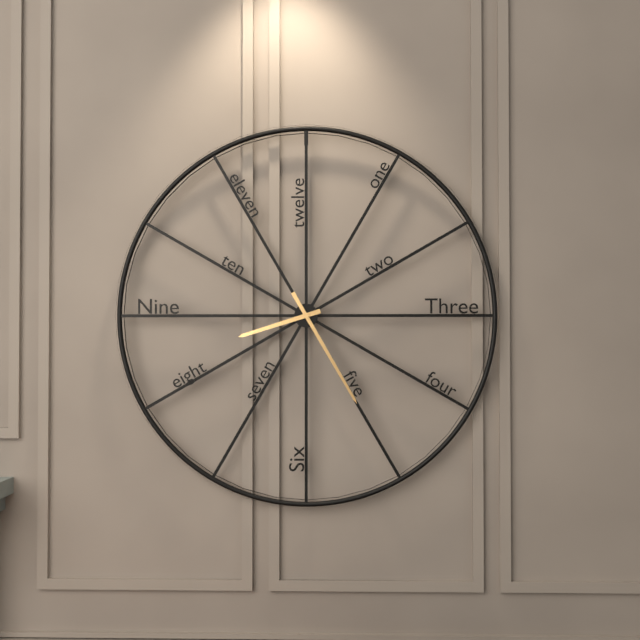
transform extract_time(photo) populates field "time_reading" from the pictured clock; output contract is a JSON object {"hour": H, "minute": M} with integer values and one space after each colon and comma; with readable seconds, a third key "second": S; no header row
{"hour": 8, "minute": 25}
